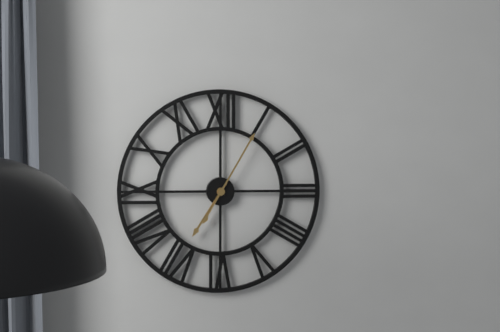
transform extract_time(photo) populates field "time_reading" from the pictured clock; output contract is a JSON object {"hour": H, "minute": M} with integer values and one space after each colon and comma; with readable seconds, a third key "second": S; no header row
{"hour": 7, "minute": 5}
